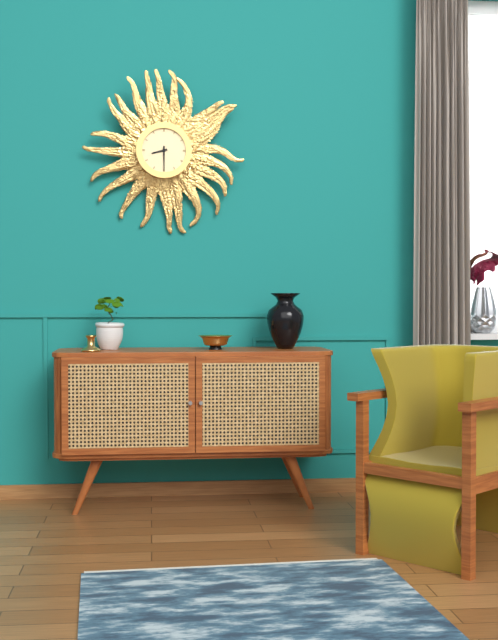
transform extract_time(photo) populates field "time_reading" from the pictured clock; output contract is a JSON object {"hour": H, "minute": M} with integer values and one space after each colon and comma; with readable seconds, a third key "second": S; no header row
{"hour": 8, "minute": 30}
